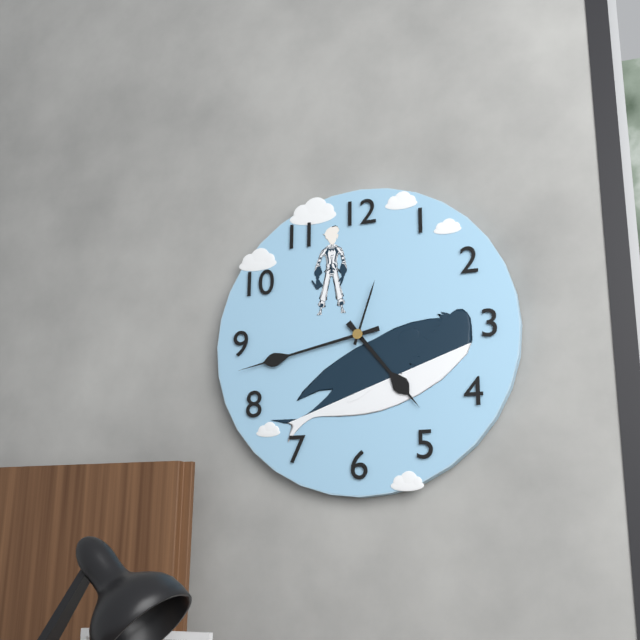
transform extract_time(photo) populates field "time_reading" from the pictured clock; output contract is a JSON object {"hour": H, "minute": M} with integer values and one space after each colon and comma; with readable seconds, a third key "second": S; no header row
{"hour": 4, "minute": 43, "second": 3}
